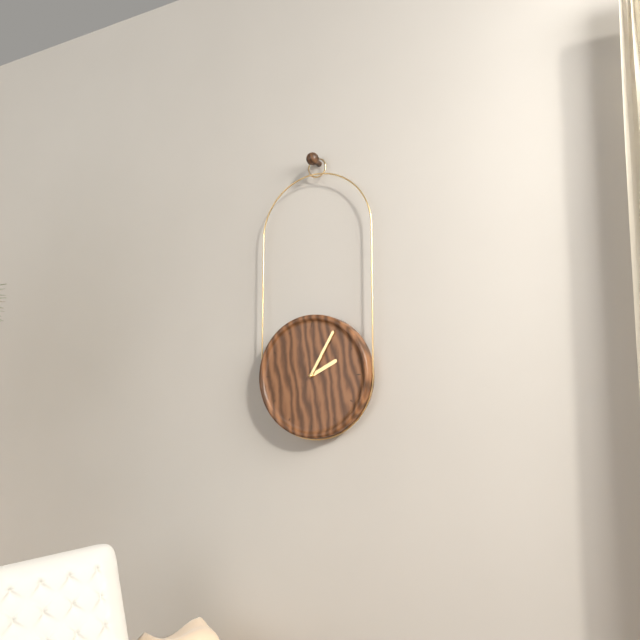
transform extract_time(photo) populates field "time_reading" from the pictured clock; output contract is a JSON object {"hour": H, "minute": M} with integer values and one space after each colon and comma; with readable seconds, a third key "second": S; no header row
{"hour": 2, "minute": 5}
